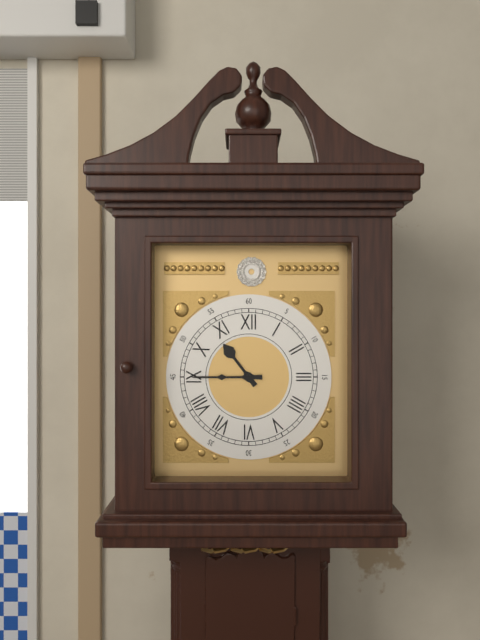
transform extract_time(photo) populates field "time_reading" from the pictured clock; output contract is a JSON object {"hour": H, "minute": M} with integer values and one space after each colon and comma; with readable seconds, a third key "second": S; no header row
{"hour": 10, "minute": 45}
